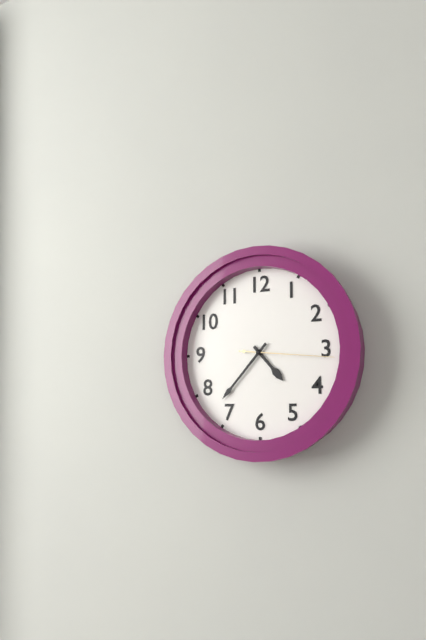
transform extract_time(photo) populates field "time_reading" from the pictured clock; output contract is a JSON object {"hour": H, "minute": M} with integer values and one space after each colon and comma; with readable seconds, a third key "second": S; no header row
{"hour": 4, "minute": 37, "second": 16}
